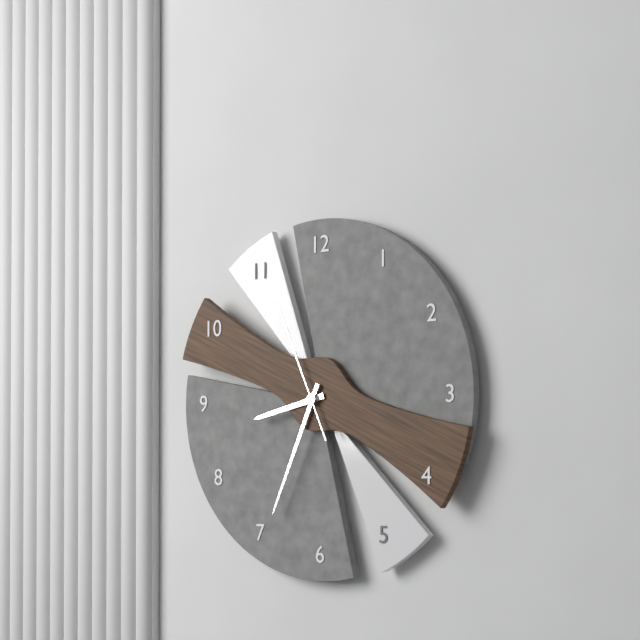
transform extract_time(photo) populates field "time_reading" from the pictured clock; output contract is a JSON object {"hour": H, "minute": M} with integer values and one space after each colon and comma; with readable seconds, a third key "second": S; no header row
{"hour": 8, "minute": 34, "second": 56}
